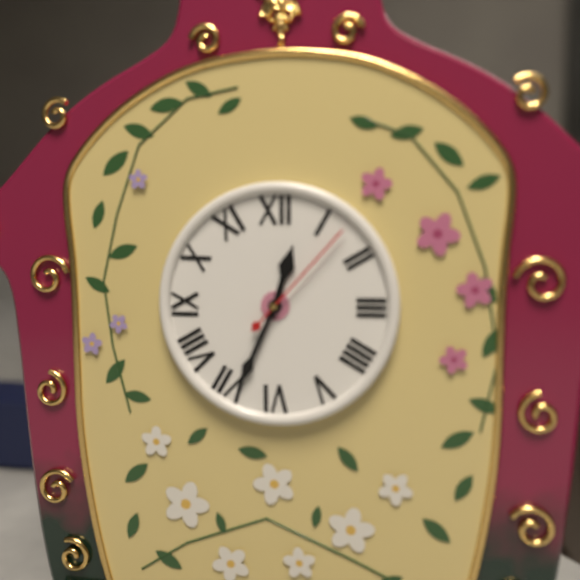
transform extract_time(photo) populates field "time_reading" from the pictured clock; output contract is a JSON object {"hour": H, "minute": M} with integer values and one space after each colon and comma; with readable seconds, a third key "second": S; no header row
{"hour": 12, "minute": 34, "second": 7}
